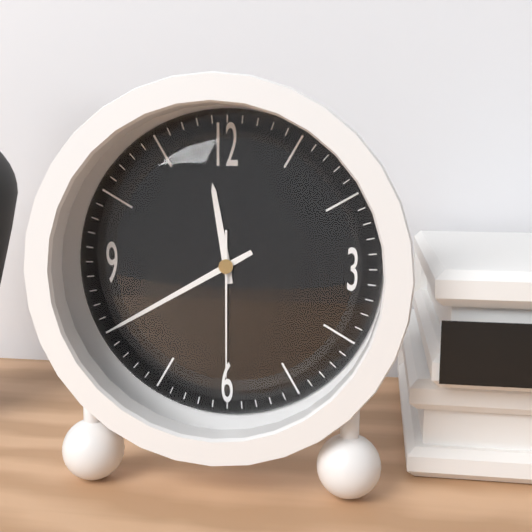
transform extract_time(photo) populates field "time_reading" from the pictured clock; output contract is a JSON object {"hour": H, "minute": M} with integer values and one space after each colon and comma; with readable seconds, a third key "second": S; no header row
{"hour": 11, "minute": 40, "second": 30}
